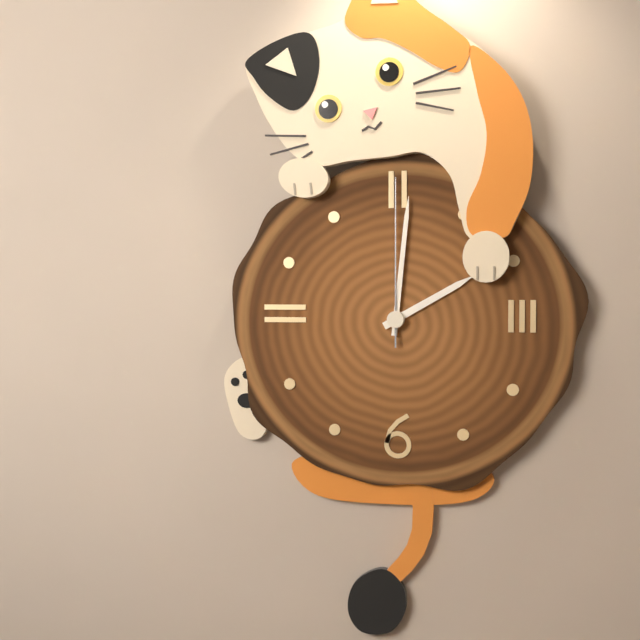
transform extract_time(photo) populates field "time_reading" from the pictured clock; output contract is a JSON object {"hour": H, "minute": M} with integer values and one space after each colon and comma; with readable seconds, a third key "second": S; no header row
{"hour": 2, "minute": 1, "second": 0}
